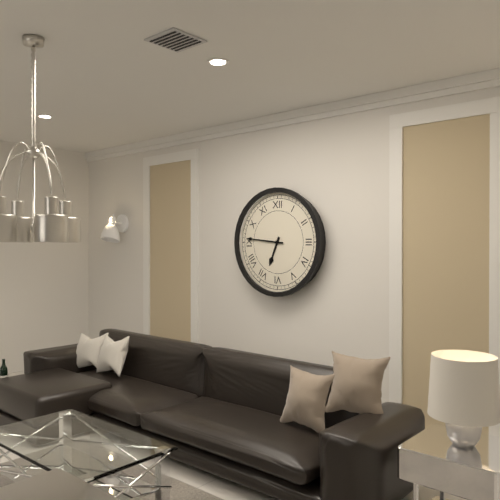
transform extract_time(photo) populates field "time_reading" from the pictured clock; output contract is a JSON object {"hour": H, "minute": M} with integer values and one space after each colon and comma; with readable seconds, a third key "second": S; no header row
{"hour": 6, "minute": 46}
